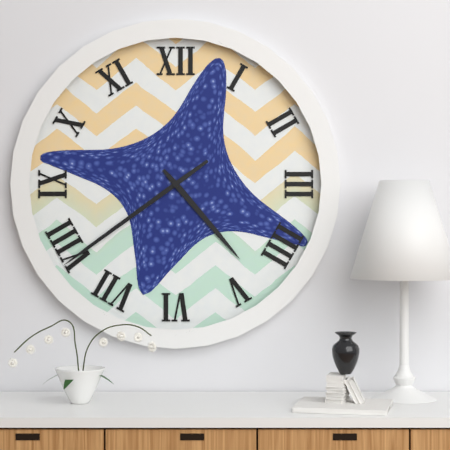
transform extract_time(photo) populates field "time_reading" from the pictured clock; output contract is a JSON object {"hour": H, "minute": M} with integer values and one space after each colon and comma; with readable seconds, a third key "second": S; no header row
{"hour": 4, "minute": 39}
